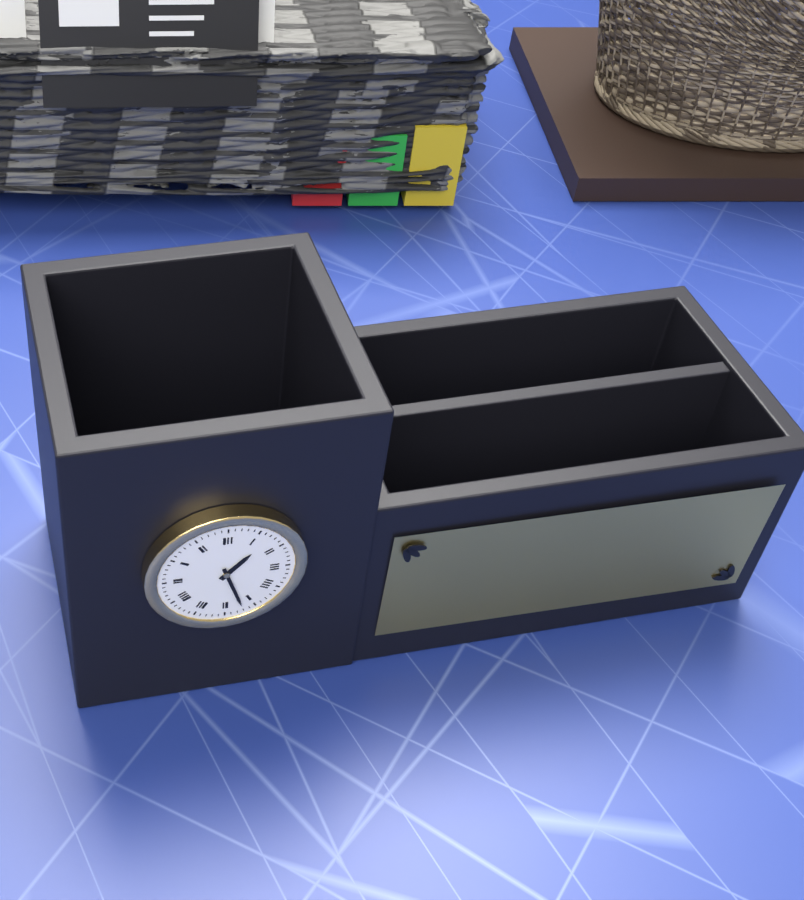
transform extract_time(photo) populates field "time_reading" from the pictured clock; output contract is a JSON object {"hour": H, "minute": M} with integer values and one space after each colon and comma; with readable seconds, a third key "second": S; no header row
{"hour": 1, "minute": 27}
